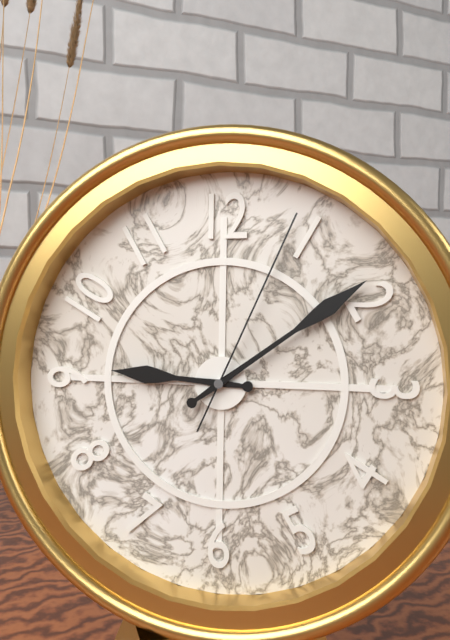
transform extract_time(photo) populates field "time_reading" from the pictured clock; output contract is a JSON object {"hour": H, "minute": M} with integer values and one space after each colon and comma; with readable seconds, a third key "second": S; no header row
{"hour": 9, "minute": 9, "second": 4}
